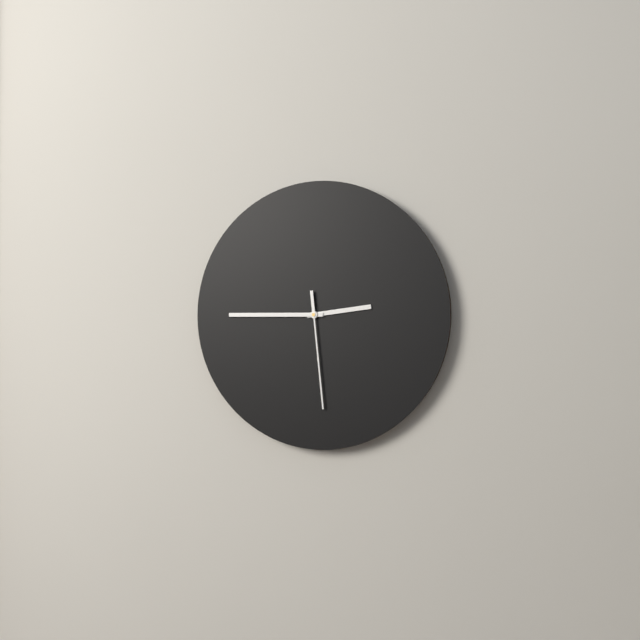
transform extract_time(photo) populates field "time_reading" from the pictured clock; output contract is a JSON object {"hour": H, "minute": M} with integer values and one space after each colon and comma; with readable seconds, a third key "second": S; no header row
{"hour": 2, "minute": 45, "second": 29}
